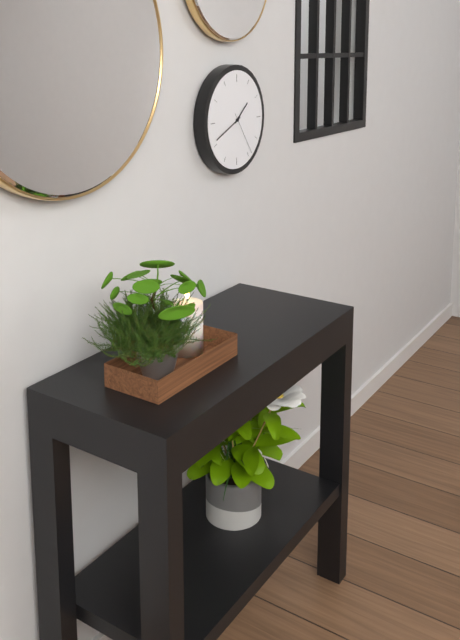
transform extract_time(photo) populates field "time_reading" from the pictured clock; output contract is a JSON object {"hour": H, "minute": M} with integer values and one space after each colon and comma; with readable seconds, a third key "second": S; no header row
{"hour": 1, "minute": 41}
